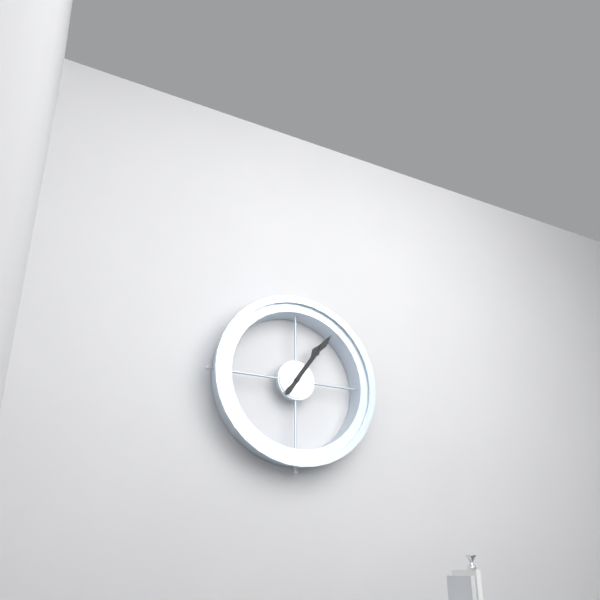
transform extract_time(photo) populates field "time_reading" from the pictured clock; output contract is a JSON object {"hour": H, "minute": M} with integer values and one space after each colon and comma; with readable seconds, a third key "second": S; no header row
{"hour": 1, "minute": 6}
